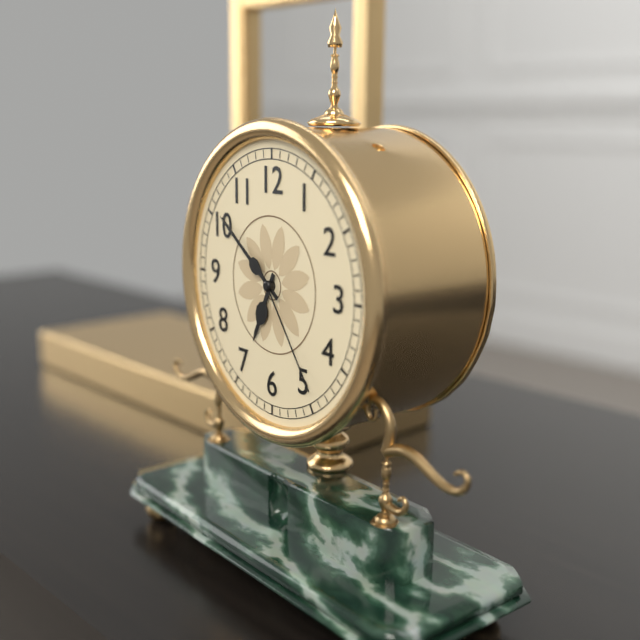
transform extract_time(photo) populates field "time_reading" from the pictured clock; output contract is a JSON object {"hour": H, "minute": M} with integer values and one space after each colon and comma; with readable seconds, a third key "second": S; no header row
{"hour": 6, "minute": 51, "second": 24}
